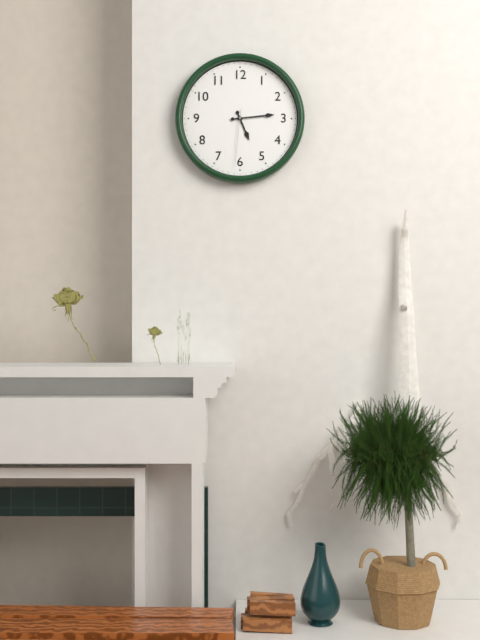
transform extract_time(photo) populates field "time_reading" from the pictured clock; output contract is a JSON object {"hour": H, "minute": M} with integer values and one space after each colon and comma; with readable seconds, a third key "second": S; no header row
{"hour": 5, "minute": 14, "second": 31}
